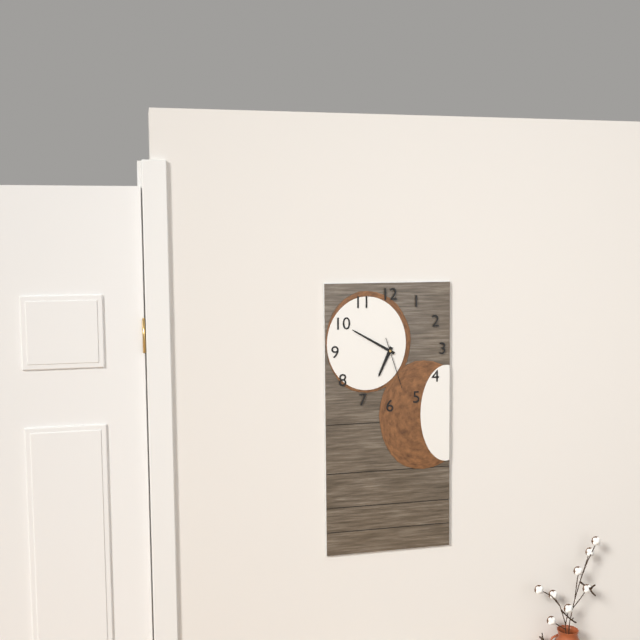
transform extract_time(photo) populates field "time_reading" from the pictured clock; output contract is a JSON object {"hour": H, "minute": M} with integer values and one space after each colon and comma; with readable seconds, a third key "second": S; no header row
{"hour": 6, "minute": 50, "second": 27}
